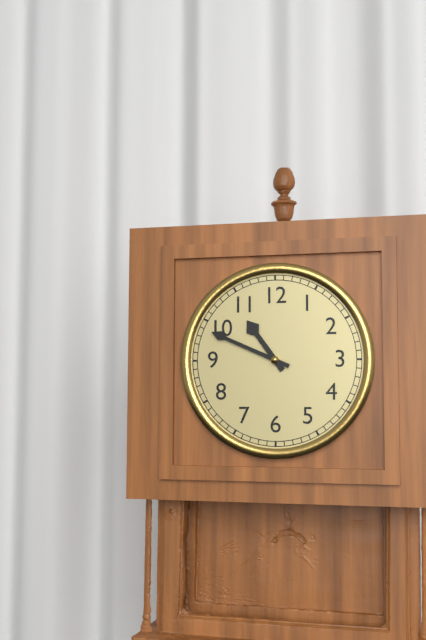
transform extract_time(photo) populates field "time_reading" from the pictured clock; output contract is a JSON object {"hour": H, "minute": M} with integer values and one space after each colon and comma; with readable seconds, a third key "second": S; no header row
{"hour": 10, "minute": 49}
